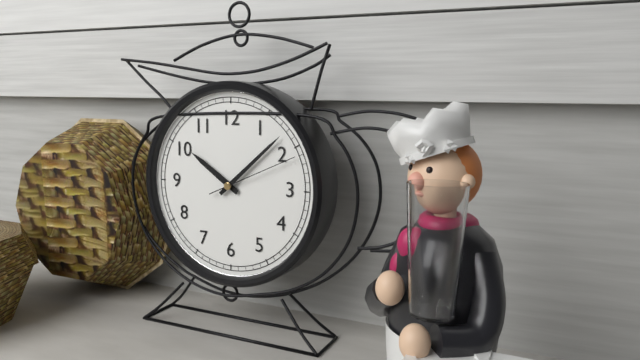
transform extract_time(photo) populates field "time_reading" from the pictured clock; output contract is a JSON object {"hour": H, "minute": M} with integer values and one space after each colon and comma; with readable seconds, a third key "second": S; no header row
{"hour": 10, "minute": 8, "second": 11}
